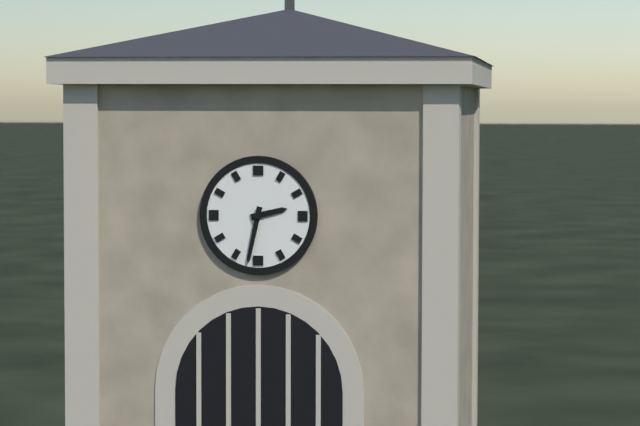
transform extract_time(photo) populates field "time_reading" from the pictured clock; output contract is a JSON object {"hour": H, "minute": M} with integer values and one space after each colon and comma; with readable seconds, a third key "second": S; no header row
{"hour": 2, "minute": 32}
